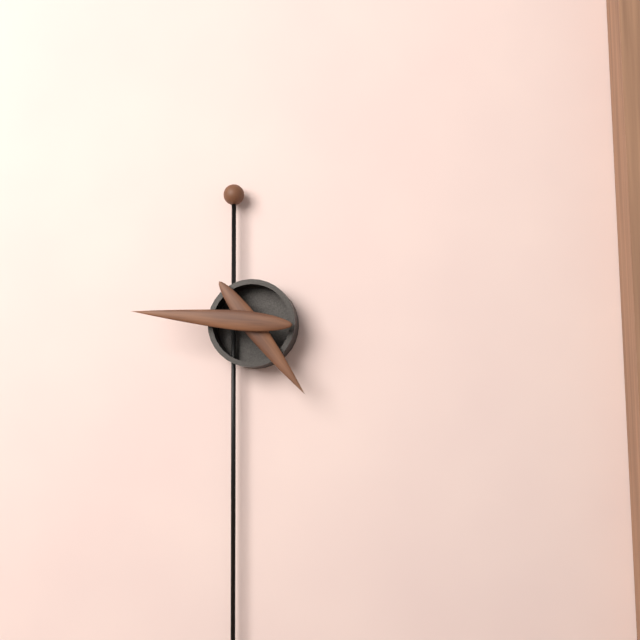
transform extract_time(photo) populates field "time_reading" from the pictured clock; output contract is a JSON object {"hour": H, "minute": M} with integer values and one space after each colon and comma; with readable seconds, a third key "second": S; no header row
{"hour": 4, "minute": 46}
